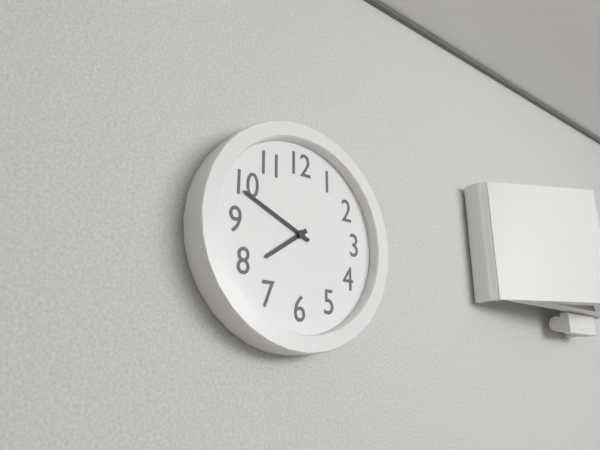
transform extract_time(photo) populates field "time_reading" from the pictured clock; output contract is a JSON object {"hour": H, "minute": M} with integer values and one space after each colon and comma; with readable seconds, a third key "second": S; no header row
{"hour": 7, "minute": 49}
